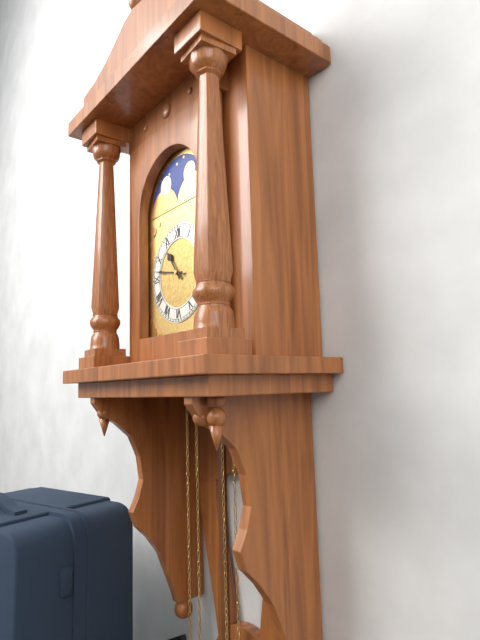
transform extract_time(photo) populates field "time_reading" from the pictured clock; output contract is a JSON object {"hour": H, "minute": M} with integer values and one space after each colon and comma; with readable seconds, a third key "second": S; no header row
{"hour": 10, "minute": 47}
